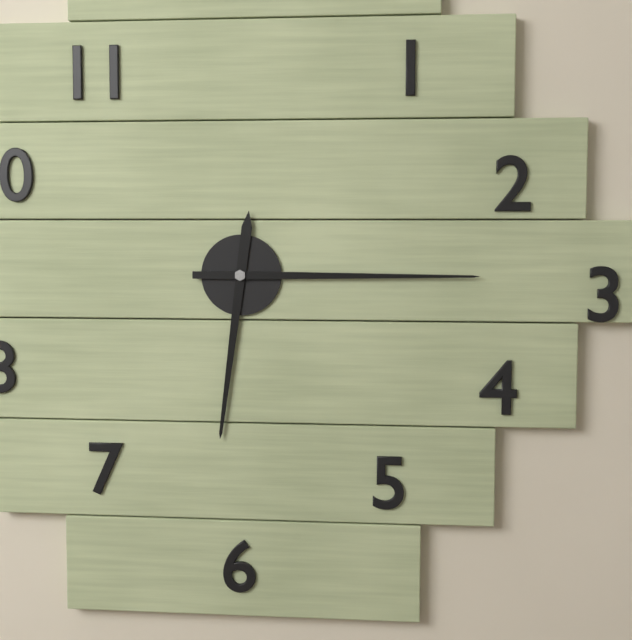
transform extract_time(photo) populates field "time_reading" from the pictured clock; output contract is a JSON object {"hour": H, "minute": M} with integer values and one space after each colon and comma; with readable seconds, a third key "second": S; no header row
{"hour": 6, "minute": 15}
